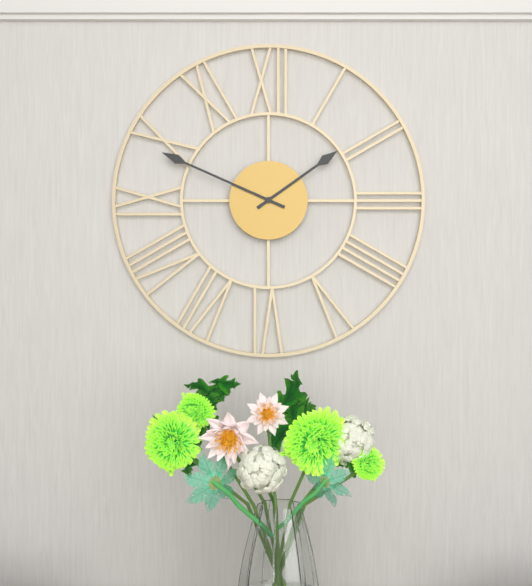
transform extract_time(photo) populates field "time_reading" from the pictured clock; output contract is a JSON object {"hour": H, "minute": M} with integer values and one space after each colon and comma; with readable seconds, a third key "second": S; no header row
{"hour": 1, "minute": 49}
